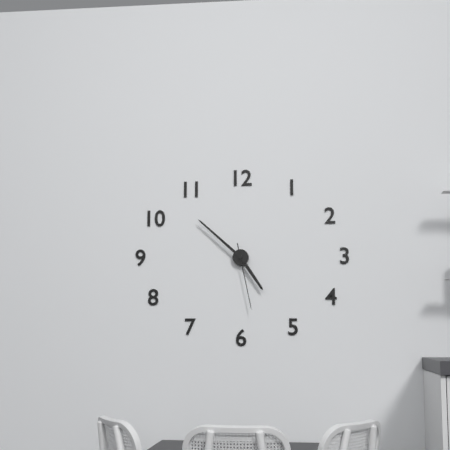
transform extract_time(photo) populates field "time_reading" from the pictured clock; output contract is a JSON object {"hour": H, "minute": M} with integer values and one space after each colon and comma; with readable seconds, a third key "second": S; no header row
{"hour": 4, "minute": 52, "second": 28}
